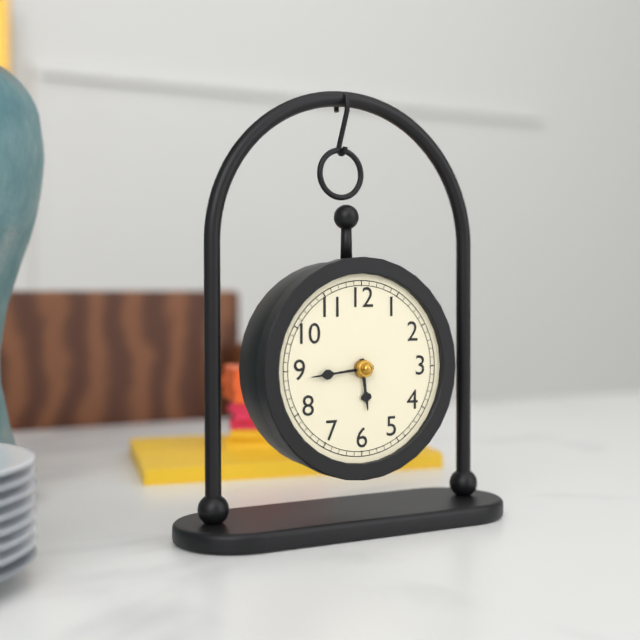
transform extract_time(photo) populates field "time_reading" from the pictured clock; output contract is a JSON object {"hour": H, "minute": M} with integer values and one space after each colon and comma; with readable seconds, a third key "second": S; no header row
{"hour": 5, "minute": 44}
